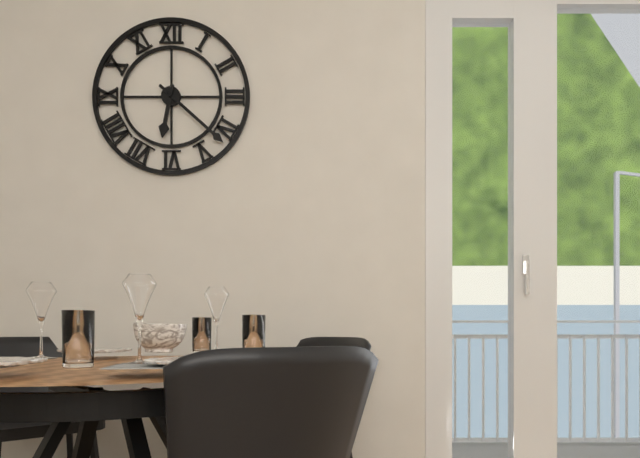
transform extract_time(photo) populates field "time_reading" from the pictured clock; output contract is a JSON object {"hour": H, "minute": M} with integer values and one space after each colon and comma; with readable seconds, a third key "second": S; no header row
{"hour": 6, "minute": 22}
